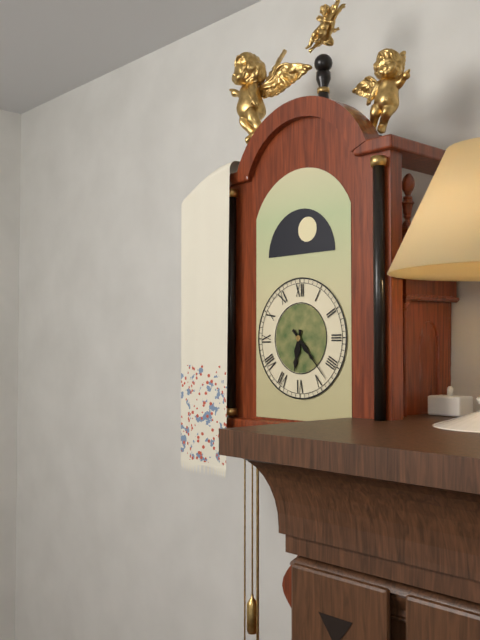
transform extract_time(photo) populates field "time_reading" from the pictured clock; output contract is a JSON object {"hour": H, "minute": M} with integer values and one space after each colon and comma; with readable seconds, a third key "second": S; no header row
{"hour": 6, "minute": 23}
